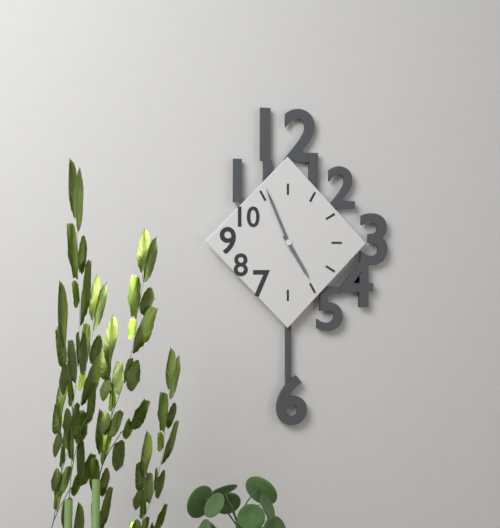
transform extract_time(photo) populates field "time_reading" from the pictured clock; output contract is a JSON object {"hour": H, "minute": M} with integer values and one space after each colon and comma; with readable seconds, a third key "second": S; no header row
{"hour": 4, "minute": 56}
